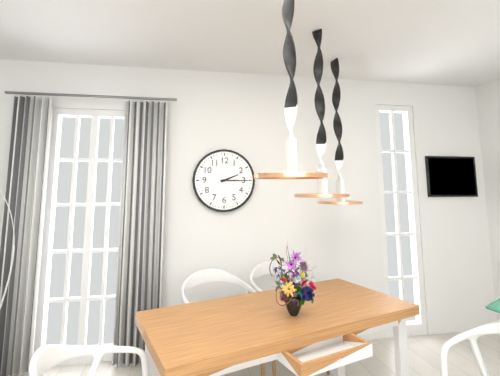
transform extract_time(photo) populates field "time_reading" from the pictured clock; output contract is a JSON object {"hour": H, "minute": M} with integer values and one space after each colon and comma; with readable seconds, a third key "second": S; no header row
{"hour": 2, "minute": 15}
